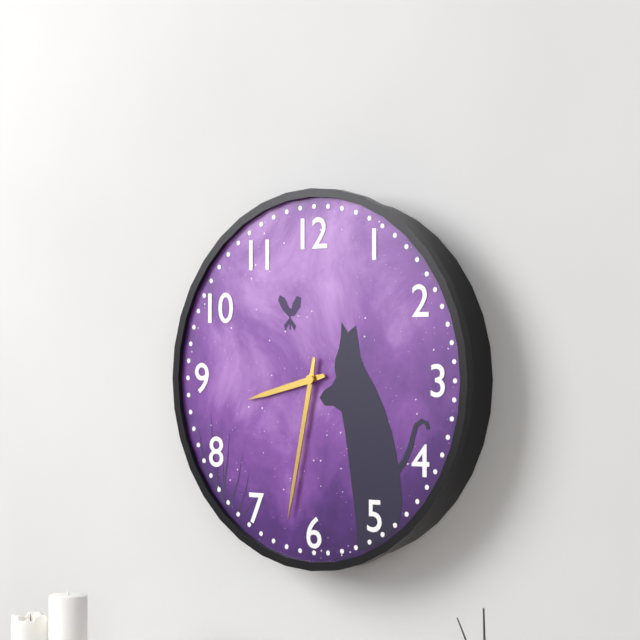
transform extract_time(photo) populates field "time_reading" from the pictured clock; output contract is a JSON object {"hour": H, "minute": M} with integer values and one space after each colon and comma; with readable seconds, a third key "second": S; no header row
{"hour": 8, "minute": 32}
